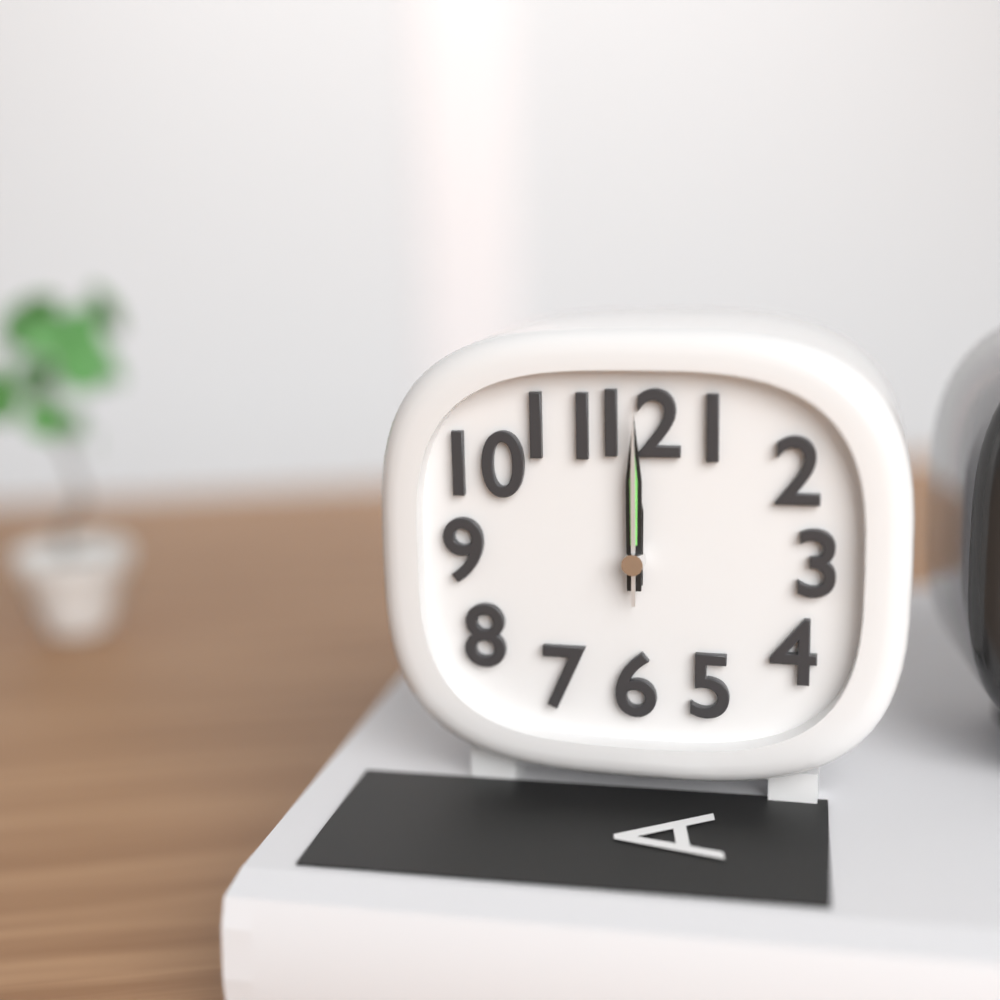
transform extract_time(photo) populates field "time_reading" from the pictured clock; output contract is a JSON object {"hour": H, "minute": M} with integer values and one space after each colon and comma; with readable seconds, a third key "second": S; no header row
{"hour": 12, "minute": 0, "second": 0}
